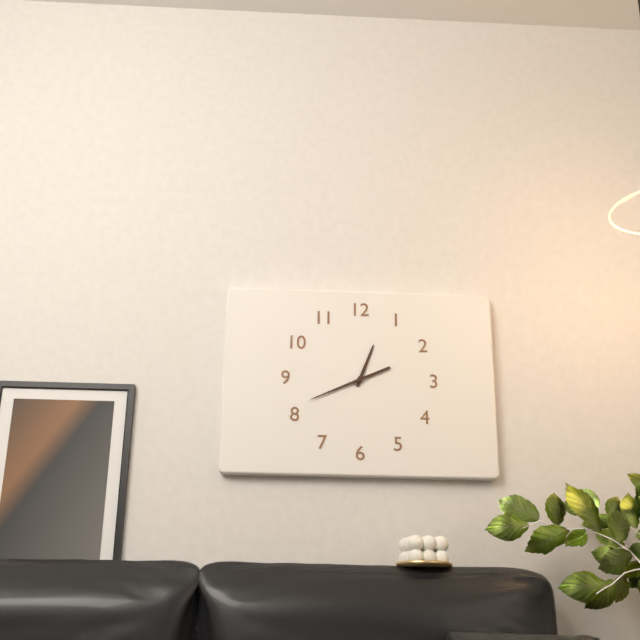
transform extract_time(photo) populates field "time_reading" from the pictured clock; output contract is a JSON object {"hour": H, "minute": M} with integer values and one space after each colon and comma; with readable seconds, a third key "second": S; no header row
{"hour": 12, "minute": 41}
